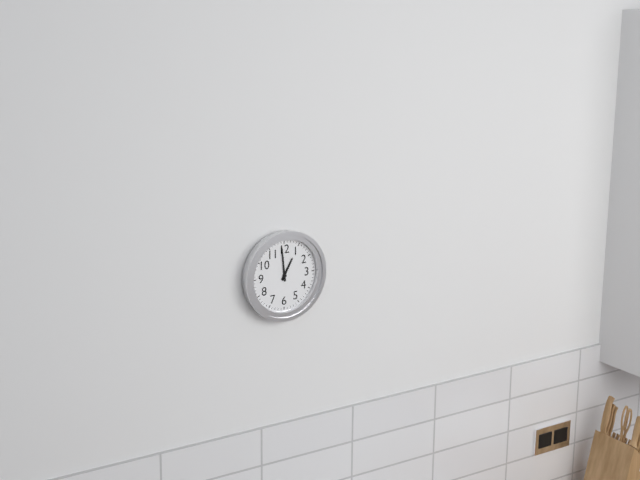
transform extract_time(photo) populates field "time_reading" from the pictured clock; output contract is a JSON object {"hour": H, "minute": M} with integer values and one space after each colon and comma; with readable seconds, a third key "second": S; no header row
{"hour": 12, "minute": 59}
